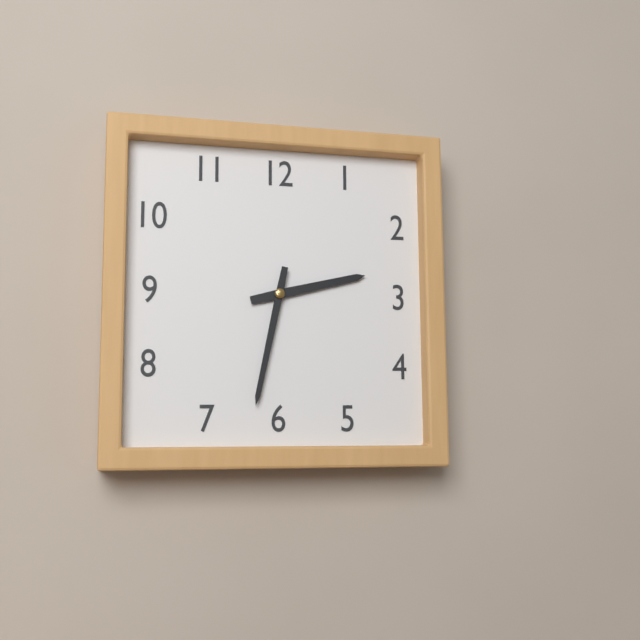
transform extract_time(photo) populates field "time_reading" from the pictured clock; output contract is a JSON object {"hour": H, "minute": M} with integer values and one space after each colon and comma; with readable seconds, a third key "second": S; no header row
{"hour": 2, "minute": 32}
